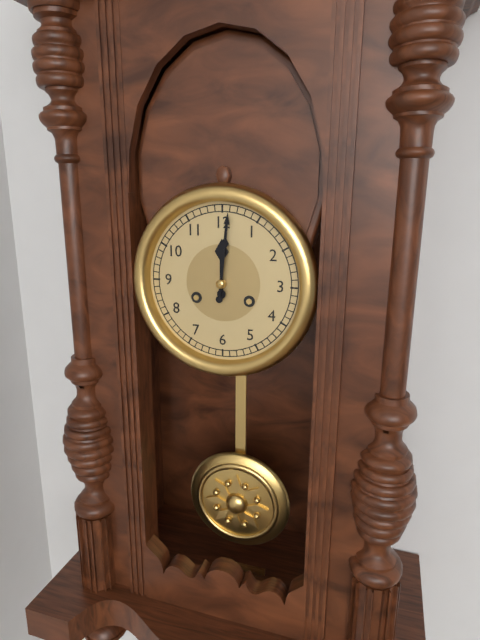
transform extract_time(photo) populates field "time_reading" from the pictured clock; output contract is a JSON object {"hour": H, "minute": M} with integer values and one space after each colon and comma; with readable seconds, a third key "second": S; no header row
{"hour": 12, "minute": 1}
